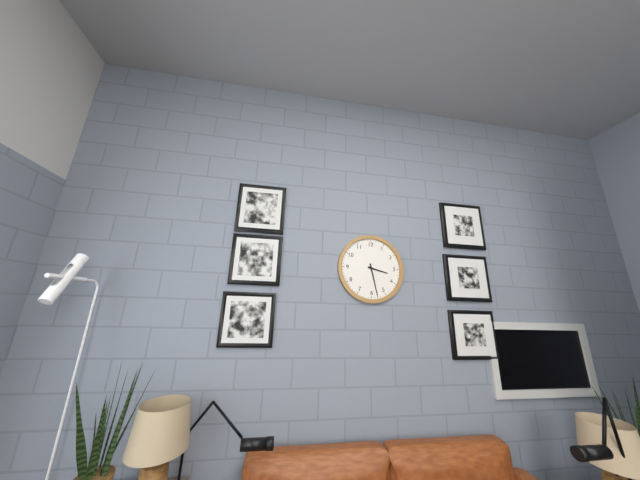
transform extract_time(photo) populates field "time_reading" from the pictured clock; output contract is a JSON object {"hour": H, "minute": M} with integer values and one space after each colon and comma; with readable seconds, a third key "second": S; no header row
{"hour": 3, "minute": 28}
